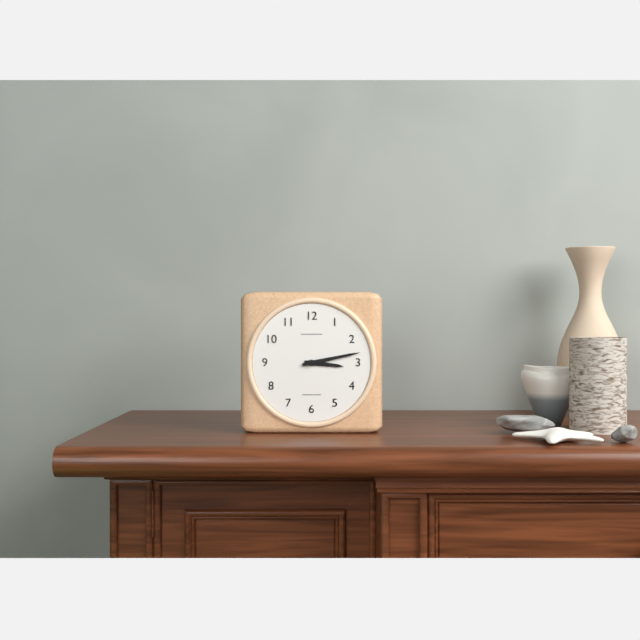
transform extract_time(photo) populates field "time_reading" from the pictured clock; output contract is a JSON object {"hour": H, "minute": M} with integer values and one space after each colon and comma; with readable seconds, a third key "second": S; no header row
{"hour": 3, "minute": 13}
